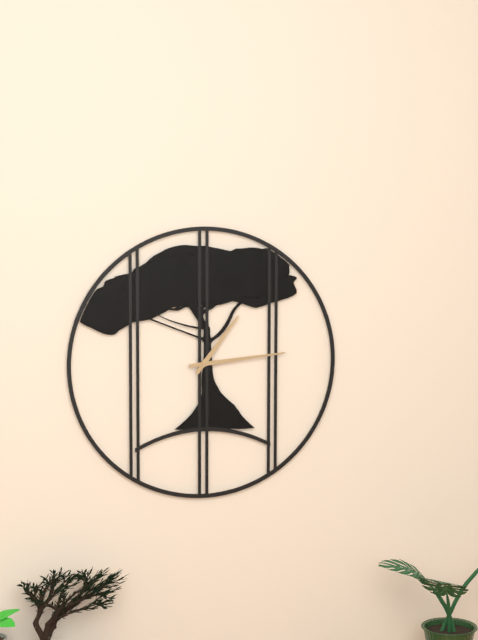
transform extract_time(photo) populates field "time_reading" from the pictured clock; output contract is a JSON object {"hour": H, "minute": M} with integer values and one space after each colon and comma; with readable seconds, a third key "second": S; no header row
{"hour": 1, "minute": 14}
